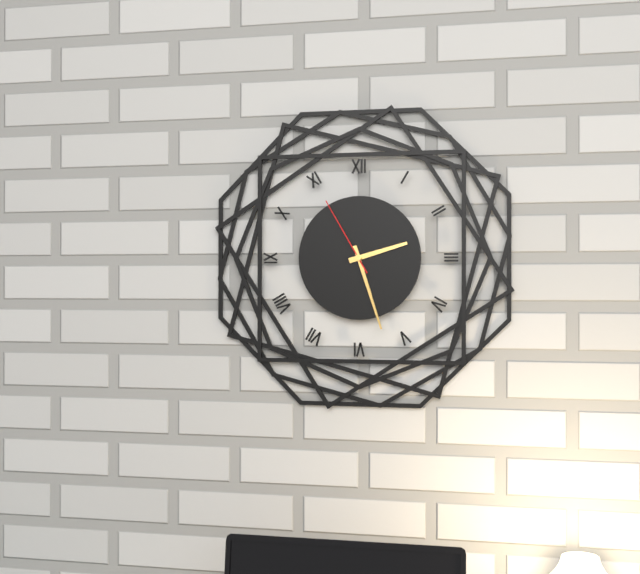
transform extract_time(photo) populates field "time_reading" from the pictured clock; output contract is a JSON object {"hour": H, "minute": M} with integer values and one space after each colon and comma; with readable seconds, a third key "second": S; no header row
{"hour": 2, "minute": 27, "second": 55}
